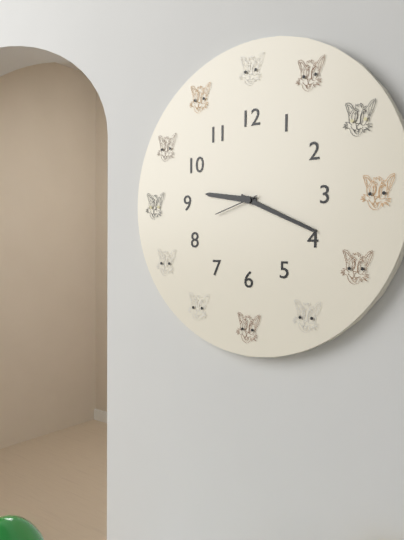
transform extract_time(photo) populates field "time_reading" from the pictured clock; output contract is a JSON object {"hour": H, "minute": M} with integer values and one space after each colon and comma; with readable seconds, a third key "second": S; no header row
{"hour": 9, "minute": 19}
